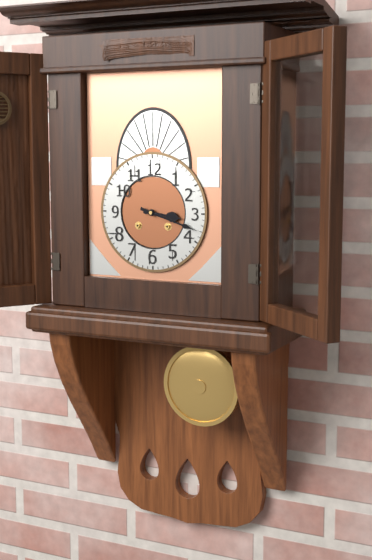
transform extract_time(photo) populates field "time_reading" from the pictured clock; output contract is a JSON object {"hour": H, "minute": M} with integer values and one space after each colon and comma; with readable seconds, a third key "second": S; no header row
{"hour": 3, "minute": 18}
